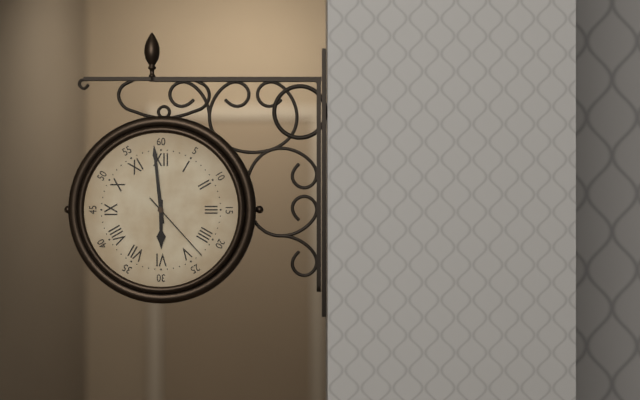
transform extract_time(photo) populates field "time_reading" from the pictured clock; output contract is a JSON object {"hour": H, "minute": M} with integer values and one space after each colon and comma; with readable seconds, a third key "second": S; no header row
{"hour": 5, "minute": 59, "second": 23}
